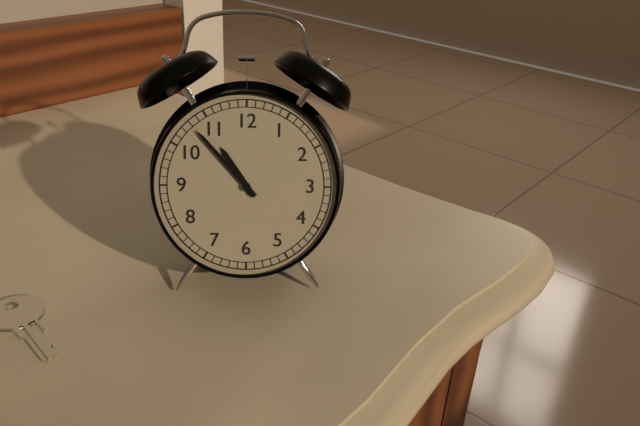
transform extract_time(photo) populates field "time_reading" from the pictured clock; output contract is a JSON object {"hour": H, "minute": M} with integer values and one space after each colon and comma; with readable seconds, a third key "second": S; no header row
{"hour": 10, "minute": 53}
